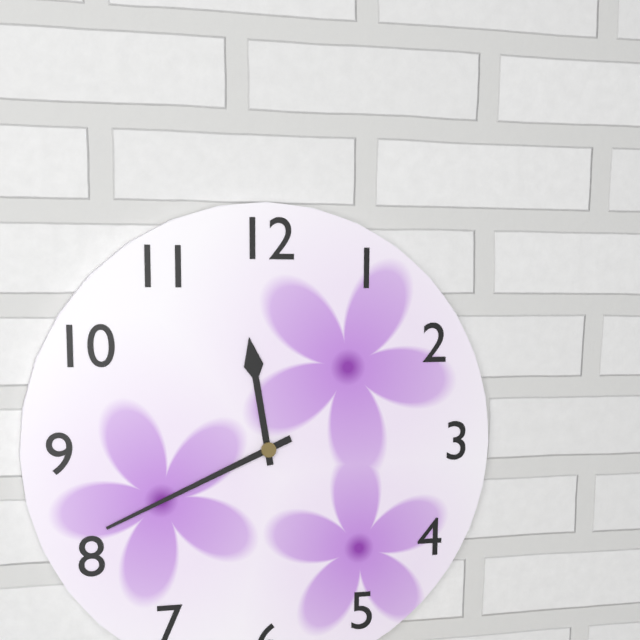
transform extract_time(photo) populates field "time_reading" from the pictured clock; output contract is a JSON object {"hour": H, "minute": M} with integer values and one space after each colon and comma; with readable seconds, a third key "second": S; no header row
{"hour": 11, "minute": 41}
